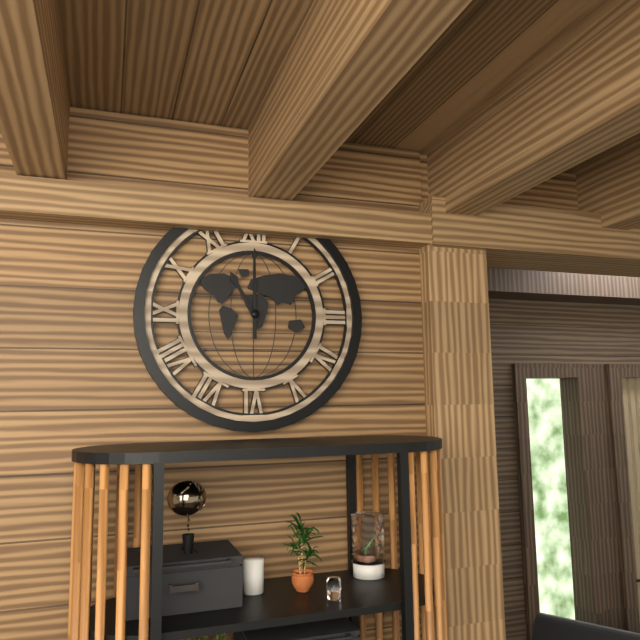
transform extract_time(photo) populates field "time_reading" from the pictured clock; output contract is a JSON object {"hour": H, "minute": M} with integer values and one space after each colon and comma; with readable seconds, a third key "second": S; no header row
{"hour": 11, "minute": 0}
